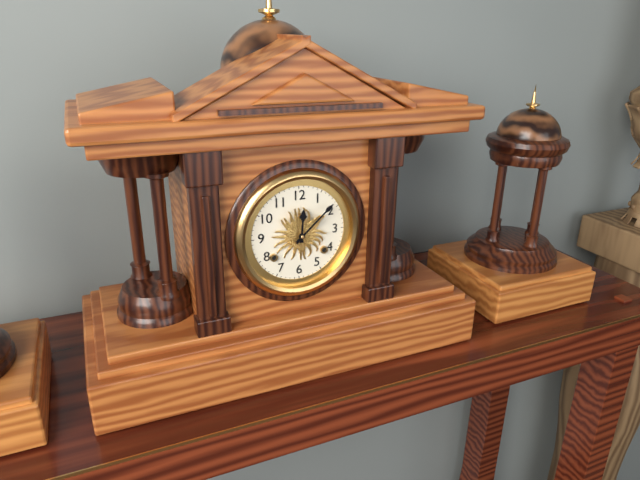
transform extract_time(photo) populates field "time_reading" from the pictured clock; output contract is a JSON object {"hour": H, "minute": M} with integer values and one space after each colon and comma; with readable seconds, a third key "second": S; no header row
{"hour": 12, "minute": 8}
